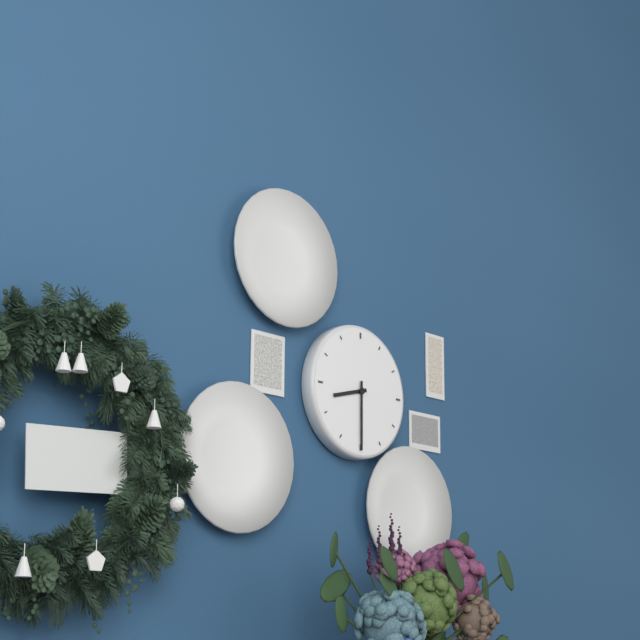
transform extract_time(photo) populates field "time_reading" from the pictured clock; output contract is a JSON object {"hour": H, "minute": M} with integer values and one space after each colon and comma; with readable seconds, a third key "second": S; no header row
{"hour": 8, "minute": 30}
